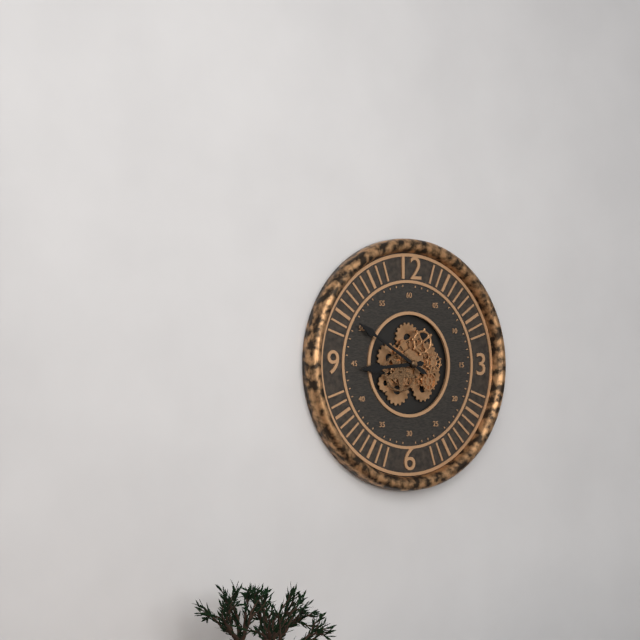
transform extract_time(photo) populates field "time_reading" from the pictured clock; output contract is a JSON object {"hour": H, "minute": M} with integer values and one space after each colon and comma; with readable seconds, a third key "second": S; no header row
{"hour": 8, "minute": 50}
